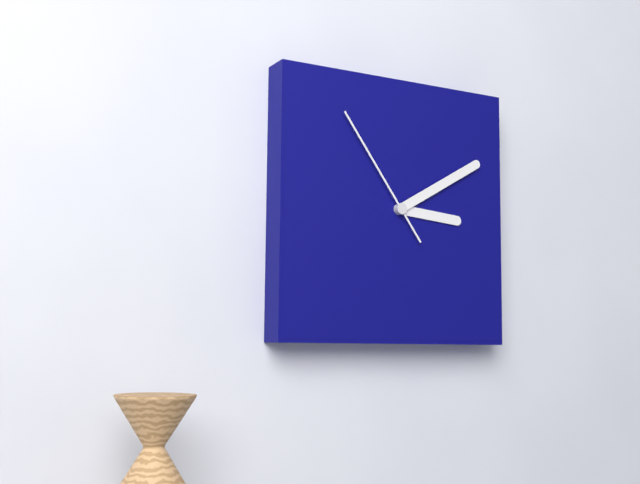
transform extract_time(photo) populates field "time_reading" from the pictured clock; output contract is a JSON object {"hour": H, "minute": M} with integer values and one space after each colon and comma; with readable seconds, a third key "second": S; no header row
{"hour": 3, "minute": 10, "second": 54}
